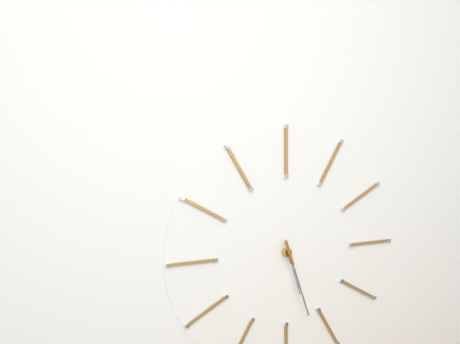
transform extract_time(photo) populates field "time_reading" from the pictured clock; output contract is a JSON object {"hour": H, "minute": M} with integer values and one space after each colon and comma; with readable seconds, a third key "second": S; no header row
{"hour": 5, "minute": 27}
